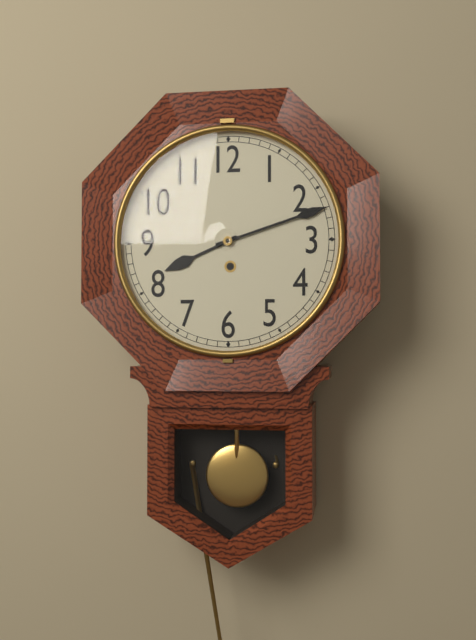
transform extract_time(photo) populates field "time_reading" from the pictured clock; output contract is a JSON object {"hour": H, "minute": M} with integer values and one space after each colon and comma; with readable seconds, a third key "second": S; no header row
{"hour": 8, "minute": 12}
